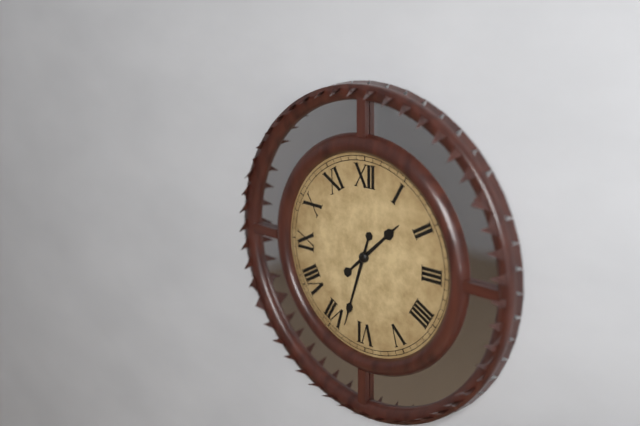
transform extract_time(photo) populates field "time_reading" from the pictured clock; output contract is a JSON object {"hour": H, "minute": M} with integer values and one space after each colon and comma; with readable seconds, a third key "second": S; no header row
{"hour": 1, "minute": 33}
